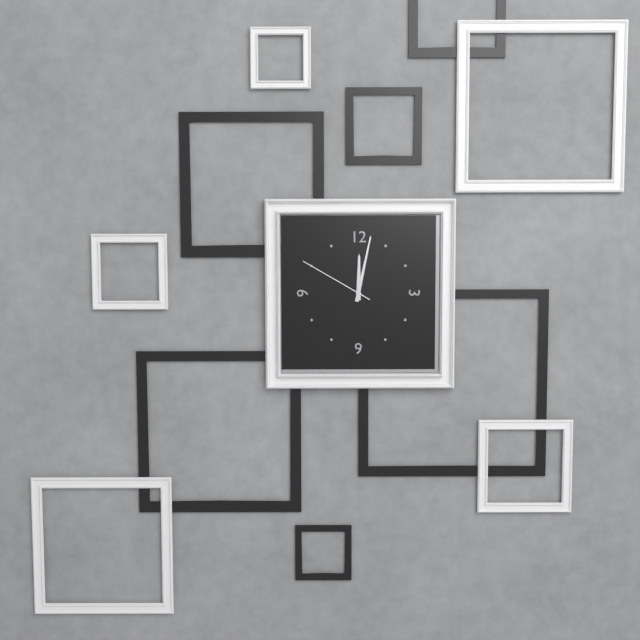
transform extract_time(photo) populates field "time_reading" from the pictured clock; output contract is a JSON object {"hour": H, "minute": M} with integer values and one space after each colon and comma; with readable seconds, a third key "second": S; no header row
{"hour": 12, "minute": 2, "second": 50}
